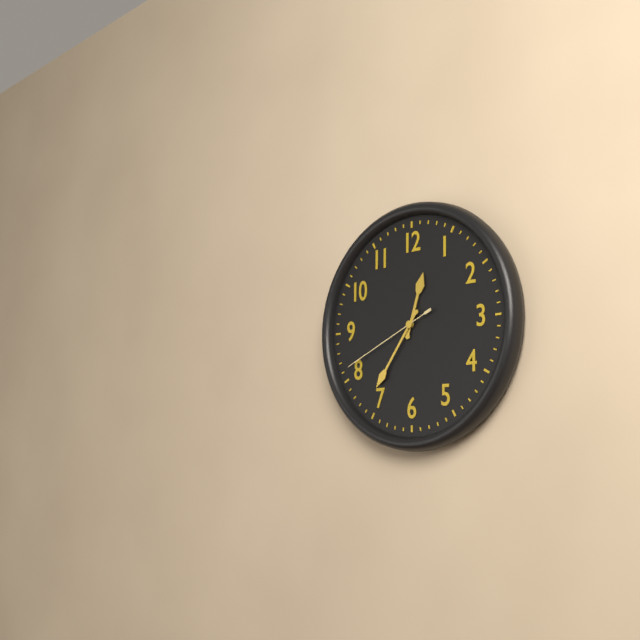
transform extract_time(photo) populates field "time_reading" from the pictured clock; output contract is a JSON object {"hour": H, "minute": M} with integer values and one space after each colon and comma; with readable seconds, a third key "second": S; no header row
{"hour": 12, "minute": 36, "second": 41}
